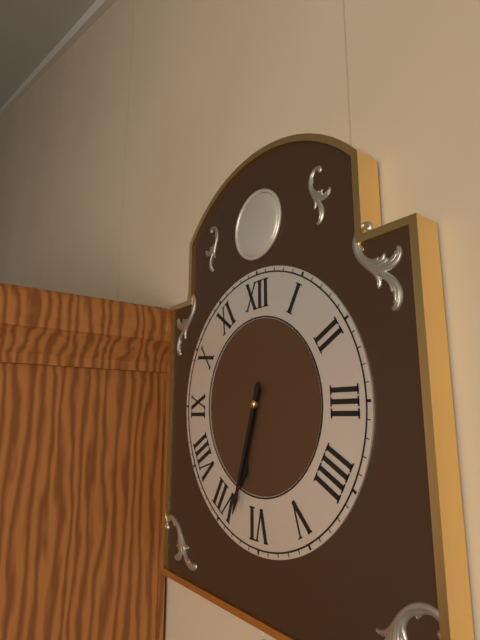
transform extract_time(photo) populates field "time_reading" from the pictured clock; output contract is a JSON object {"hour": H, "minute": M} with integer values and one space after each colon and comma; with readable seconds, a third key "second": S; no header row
{"hour": 6, "minute": 33}
